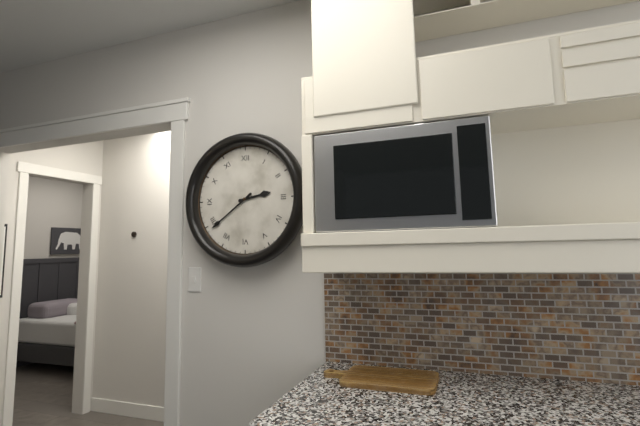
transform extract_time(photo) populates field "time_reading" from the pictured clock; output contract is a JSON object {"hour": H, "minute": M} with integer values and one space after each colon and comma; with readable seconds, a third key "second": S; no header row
{"hour": 2, "minute": 39}
